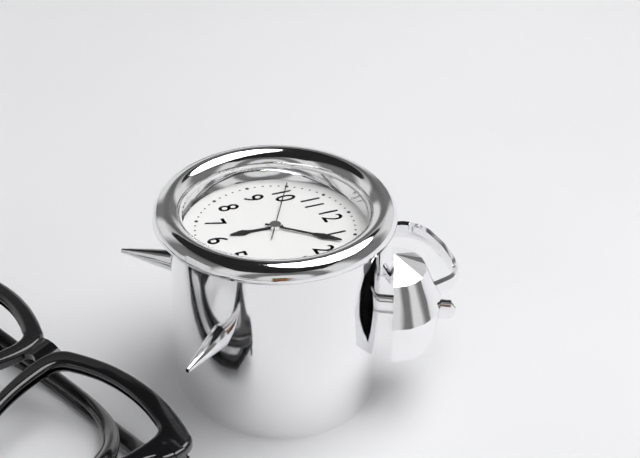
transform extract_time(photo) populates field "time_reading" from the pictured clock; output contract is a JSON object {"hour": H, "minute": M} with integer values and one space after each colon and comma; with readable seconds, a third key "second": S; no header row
{"hour": 6, "minute": 7, "second": 50}
